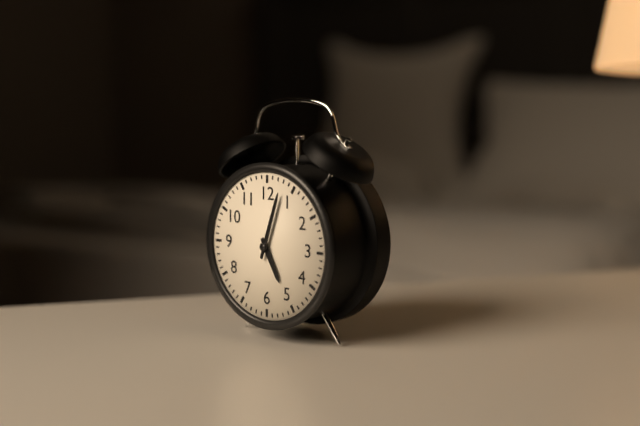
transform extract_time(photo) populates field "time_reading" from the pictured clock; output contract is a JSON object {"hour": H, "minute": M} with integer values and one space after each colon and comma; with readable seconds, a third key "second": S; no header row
{"hour": 5, "minute": 3}
